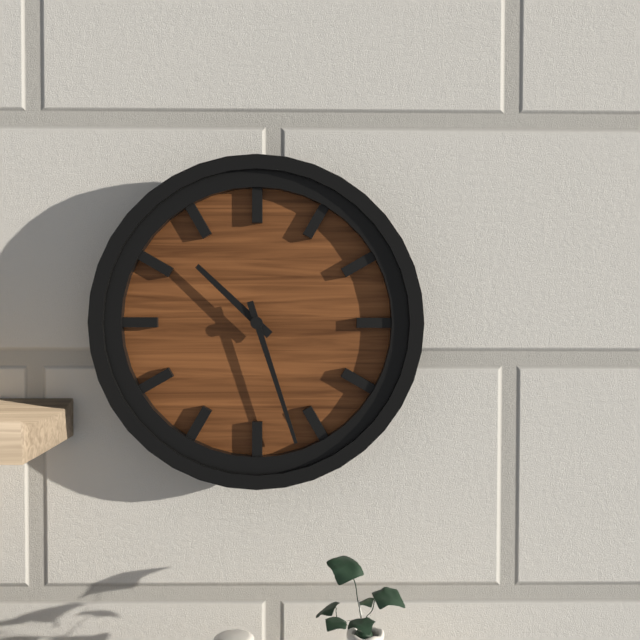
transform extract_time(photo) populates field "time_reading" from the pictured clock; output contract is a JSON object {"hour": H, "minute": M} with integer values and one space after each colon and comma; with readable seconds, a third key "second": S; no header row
{"hour": 10, "minute": 27}
